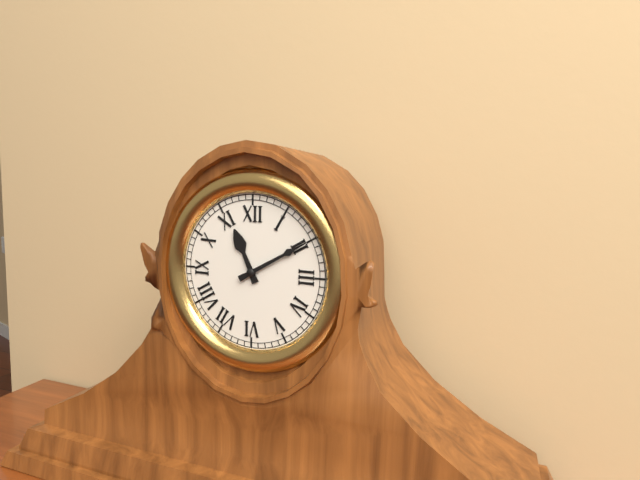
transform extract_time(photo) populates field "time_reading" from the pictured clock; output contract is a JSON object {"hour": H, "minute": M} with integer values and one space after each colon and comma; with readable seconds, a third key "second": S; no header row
{"hour": 11, "minute": 10}
